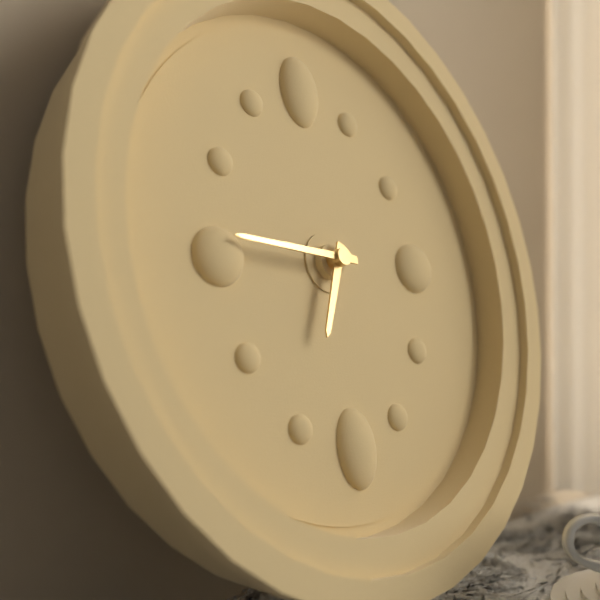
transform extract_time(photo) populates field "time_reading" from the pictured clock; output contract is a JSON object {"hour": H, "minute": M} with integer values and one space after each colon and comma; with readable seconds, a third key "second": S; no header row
{"hour": 6, "minute": 46}
